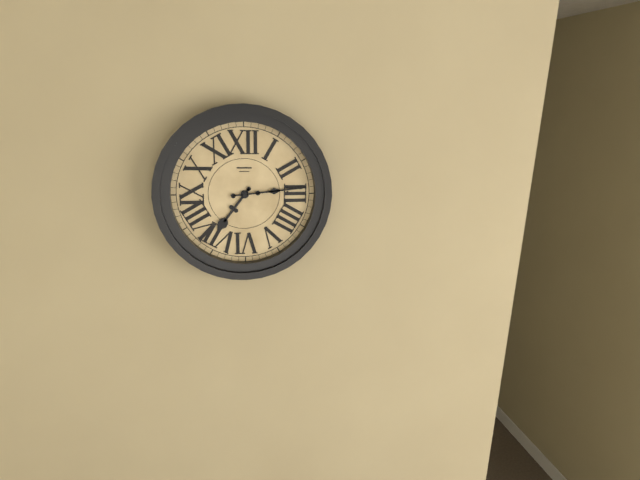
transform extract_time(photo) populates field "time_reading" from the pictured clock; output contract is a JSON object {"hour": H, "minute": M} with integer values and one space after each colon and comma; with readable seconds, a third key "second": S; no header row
{"hour": 7, "minute": 14}
